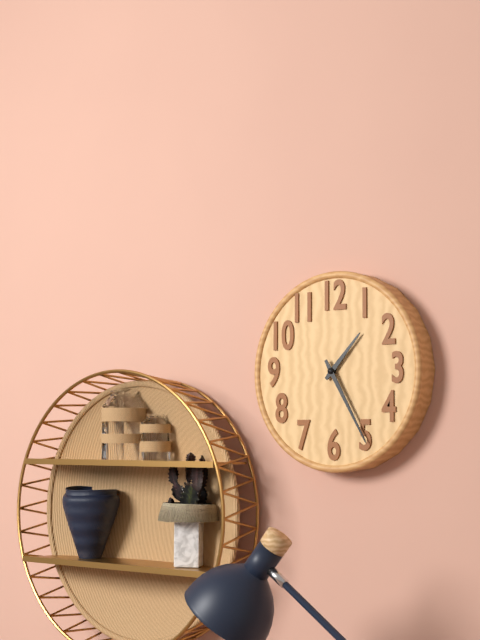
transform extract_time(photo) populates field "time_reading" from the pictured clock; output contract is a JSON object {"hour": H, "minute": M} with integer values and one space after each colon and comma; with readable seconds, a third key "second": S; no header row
{"hour": 1, "minute": 25}
